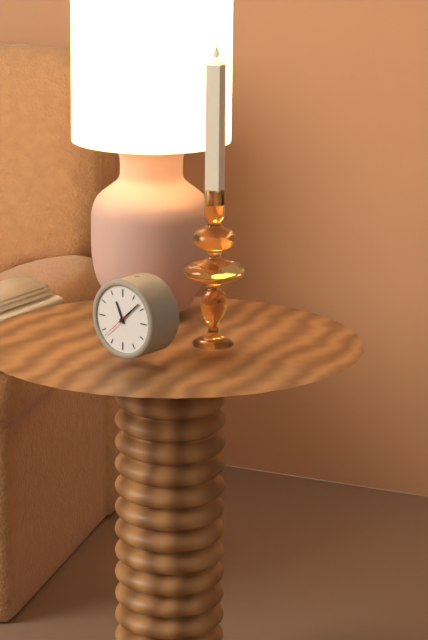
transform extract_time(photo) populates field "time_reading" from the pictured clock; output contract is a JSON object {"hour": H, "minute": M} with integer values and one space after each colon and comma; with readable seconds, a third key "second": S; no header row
{"hour": 11, "minute": 8}
